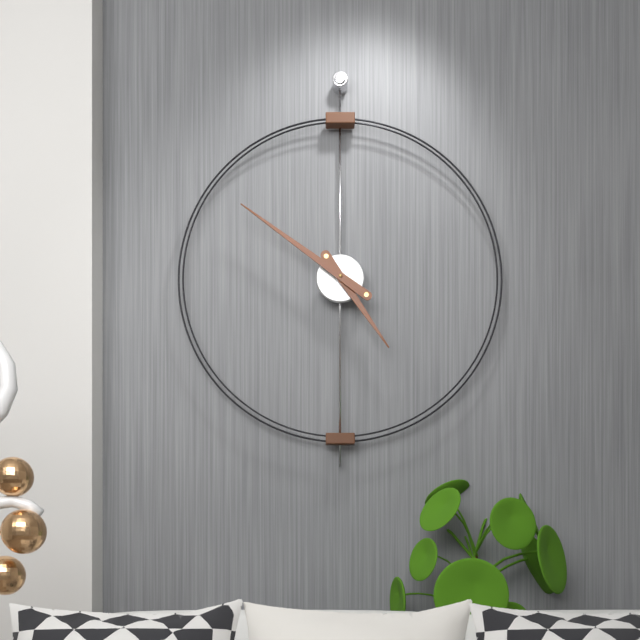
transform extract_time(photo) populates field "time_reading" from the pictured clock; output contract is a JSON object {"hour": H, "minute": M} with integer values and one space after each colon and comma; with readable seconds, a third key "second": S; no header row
{"hour": 4, "minute": 51}
